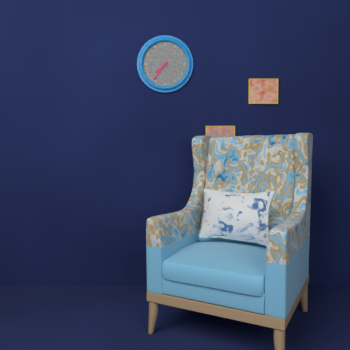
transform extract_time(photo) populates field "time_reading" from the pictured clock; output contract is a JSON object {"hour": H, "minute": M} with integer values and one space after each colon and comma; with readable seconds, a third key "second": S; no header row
{"hour": 7, "minute": 36}
